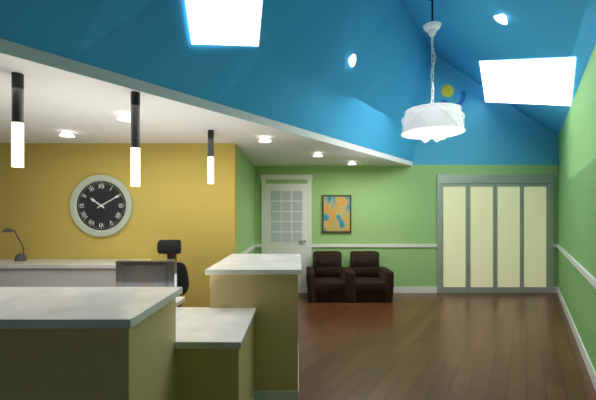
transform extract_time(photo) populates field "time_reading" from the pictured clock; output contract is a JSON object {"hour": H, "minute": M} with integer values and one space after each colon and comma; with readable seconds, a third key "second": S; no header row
{"hour": 10, "minute": 10}
